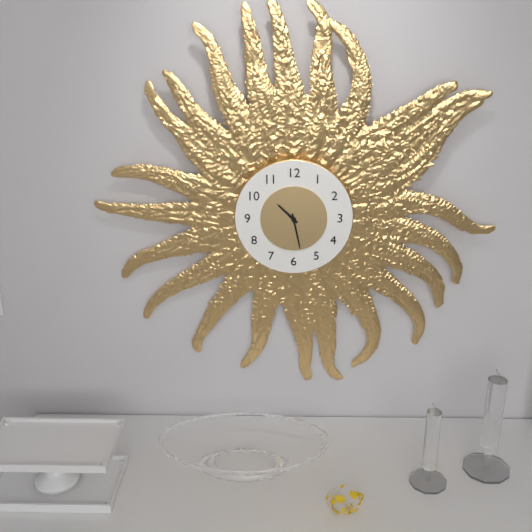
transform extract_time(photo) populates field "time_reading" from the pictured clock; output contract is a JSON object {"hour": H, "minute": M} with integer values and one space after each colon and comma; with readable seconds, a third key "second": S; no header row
{"hour": 10, "minute": 28}
